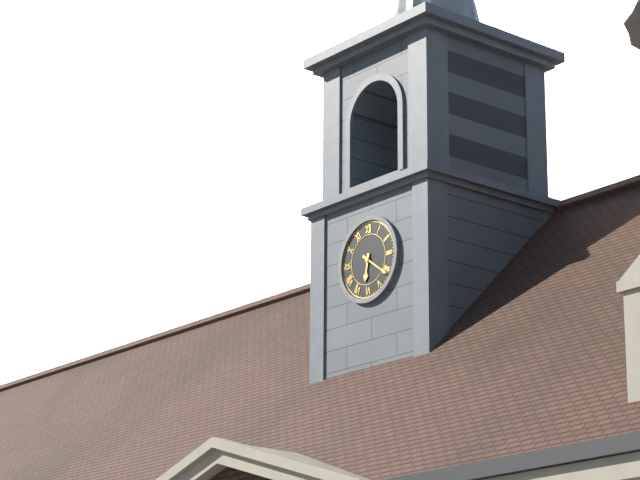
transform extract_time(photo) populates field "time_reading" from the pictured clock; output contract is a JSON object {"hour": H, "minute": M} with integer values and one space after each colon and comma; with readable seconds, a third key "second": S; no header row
{"hour": 6, "minute": 21}
